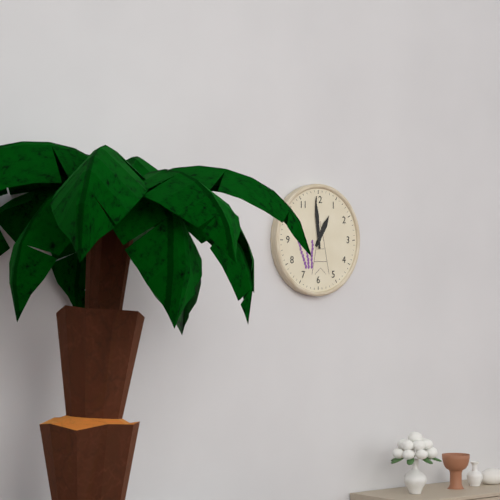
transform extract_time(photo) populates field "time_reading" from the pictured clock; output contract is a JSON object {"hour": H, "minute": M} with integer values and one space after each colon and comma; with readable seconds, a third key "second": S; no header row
{"hour": 12, "minute": 59}
